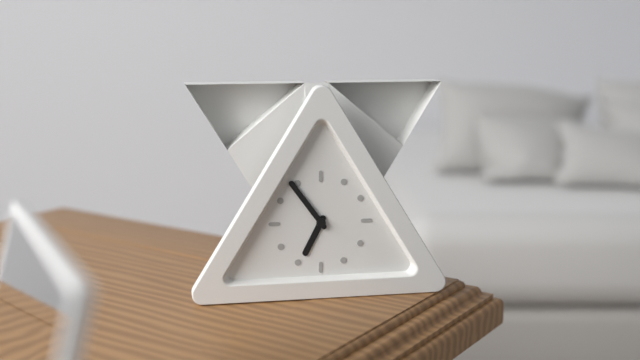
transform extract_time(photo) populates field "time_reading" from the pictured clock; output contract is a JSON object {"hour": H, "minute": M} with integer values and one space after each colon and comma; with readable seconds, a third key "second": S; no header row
{"hour": 6, "minute": 54}
